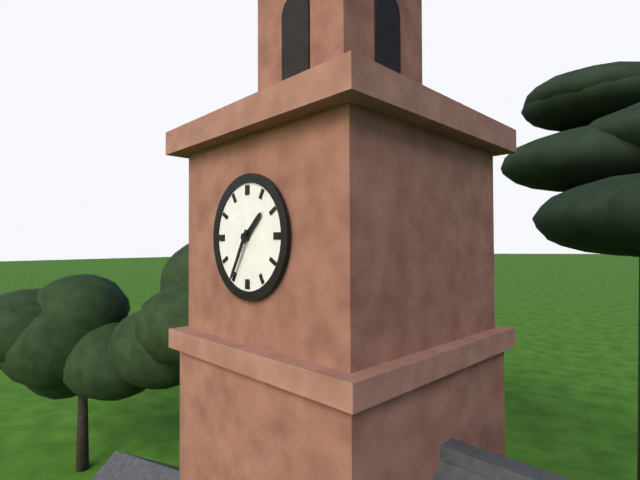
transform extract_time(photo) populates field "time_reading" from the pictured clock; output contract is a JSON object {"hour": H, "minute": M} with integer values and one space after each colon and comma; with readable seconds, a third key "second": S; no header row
{"hour": 1, "minute": 35}
